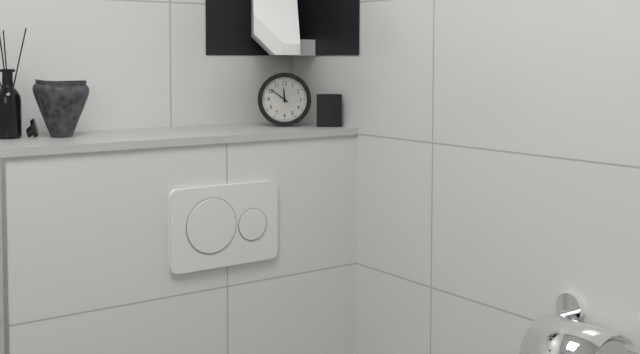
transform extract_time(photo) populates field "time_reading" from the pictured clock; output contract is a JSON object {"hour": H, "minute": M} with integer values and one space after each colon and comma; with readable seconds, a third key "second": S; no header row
{"hour": 11, "minute": 51}
